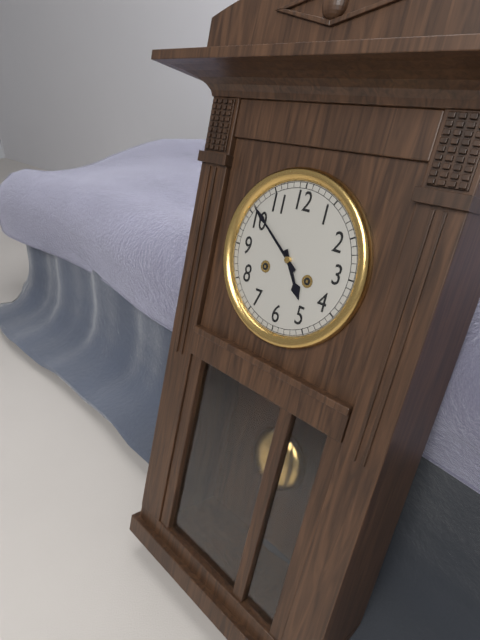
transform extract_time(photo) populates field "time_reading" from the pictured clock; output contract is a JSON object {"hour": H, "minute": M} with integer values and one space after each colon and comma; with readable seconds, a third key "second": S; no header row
{"hour": 4, "minute": 51}
